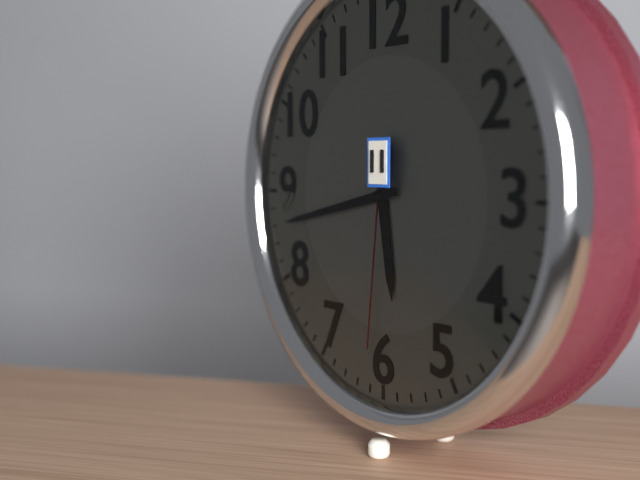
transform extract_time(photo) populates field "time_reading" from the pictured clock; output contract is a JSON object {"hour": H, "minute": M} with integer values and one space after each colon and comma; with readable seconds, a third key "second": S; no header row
{"hour": 5, "minute": 43, "second": 31}
